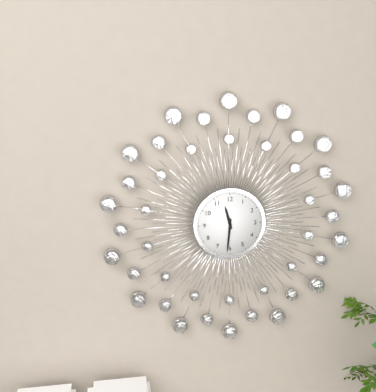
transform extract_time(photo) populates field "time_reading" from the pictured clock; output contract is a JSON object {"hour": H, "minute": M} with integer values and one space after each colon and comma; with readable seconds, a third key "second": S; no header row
{"hour": 11, "minute": 31}
